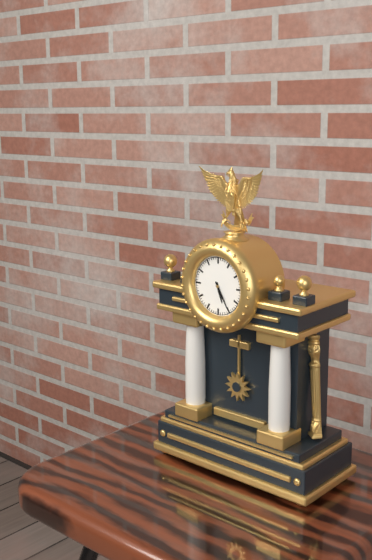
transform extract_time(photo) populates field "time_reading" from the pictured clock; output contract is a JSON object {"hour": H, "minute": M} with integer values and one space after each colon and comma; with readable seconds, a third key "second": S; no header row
{"hour": 5, "minute": 25}
